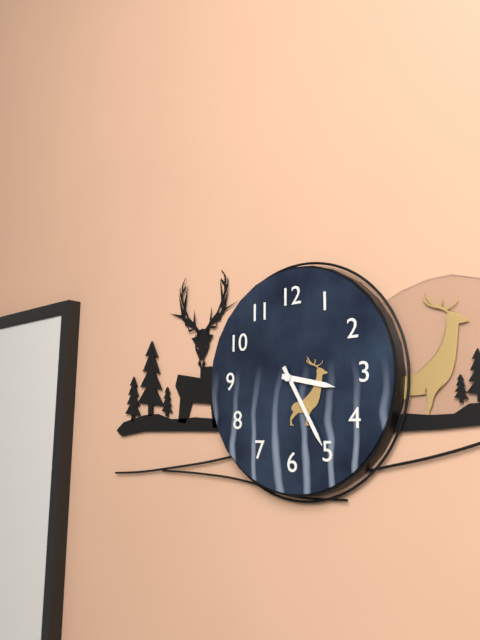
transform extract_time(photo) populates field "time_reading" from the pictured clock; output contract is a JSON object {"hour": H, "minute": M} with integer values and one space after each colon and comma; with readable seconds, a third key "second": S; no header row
{"hour": 3, "minute": 25}
